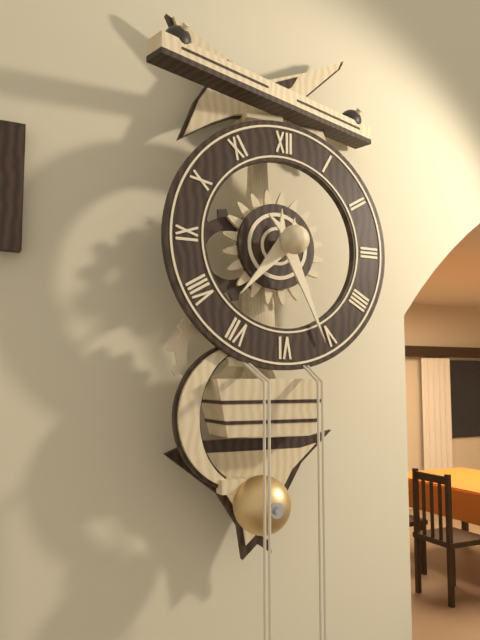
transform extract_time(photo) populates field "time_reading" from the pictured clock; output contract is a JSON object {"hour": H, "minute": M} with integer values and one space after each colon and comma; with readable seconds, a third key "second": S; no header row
{"hour": 7, "minute": 26}
